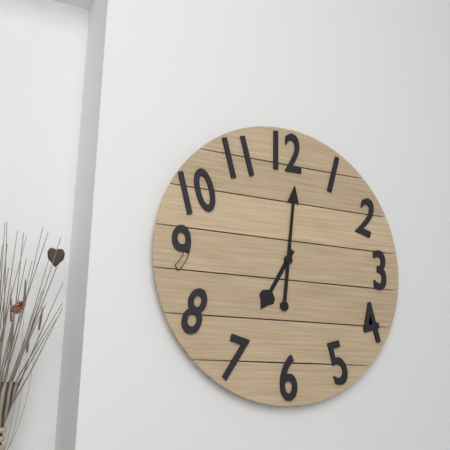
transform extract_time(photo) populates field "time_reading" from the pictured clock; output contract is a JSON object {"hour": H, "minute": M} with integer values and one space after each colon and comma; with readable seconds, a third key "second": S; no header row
{"hour": 7, "minute": 1}
